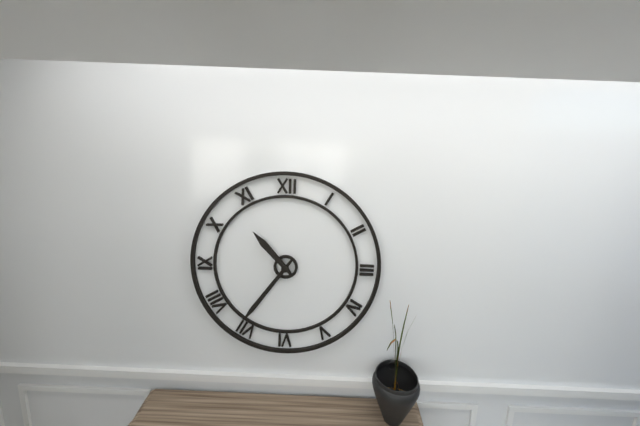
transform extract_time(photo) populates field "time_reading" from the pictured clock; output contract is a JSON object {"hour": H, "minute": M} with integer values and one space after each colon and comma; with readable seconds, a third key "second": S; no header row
{"hour": 10, "minute": 36}
